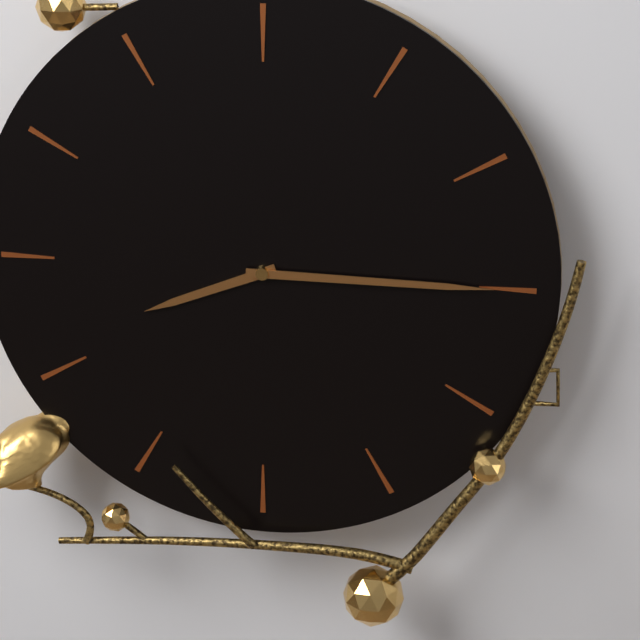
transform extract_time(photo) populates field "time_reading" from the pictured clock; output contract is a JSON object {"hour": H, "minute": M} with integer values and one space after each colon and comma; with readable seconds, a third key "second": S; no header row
{"hour": 8, "minute": 15}
